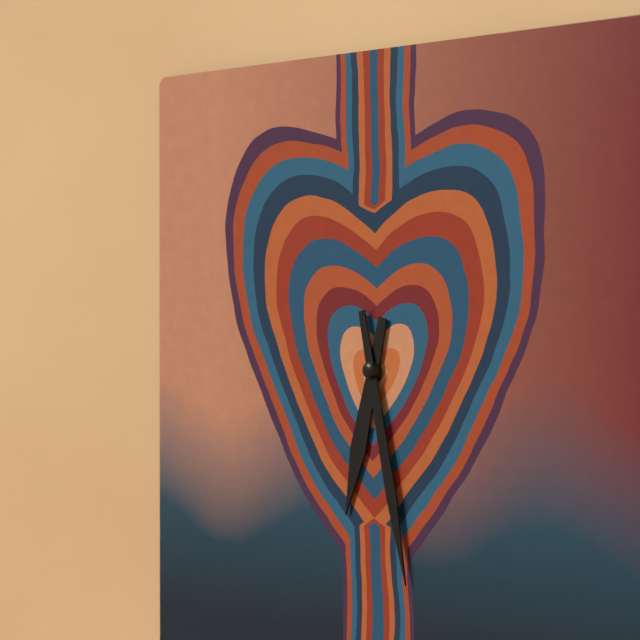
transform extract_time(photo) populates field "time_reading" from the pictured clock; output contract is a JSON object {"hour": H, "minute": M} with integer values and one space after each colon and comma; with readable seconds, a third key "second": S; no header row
{"hour": 6, "minute": 28}
